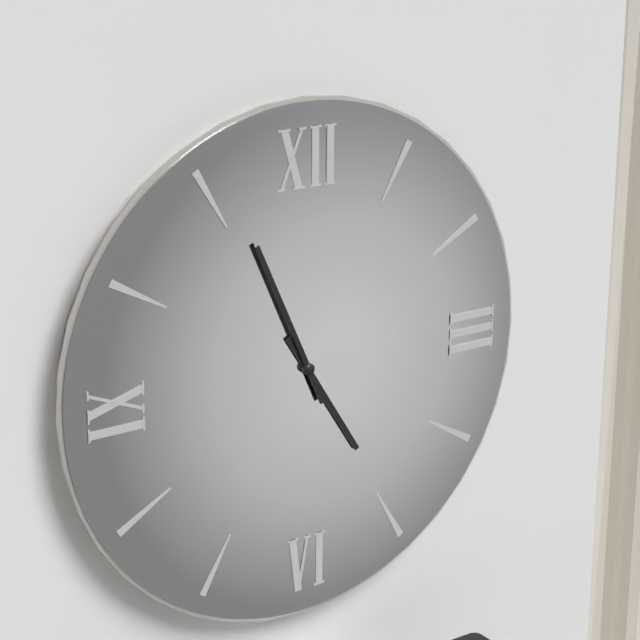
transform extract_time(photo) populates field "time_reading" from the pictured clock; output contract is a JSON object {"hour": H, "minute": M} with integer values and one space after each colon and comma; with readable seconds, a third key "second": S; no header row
{"hour": 4, "minute": 56}
